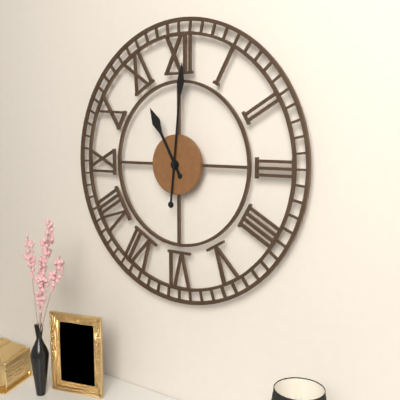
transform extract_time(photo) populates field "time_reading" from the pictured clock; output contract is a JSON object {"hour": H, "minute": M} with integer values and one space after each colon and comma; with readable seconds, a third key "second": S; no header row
{"hour": 11, "minute": 1}
